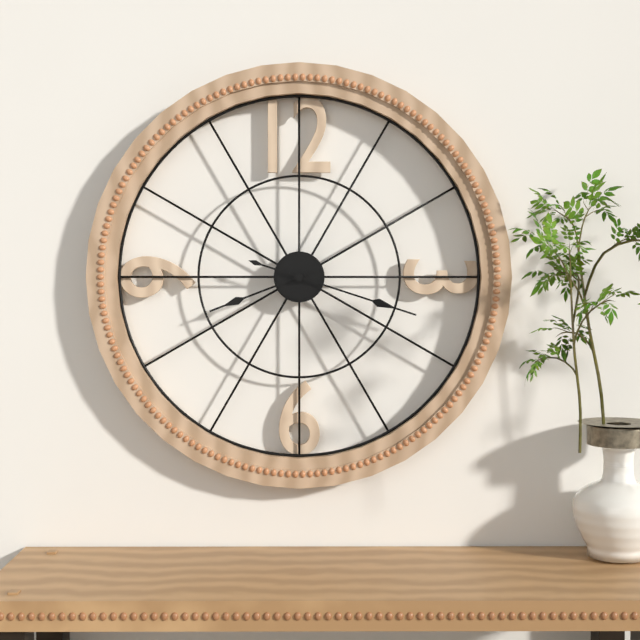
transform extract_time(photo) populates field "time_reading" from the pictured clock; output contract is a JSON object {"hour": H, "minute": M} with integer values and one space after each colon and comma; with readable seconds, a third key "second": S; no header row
{"hour": 8, "minute": 18}
